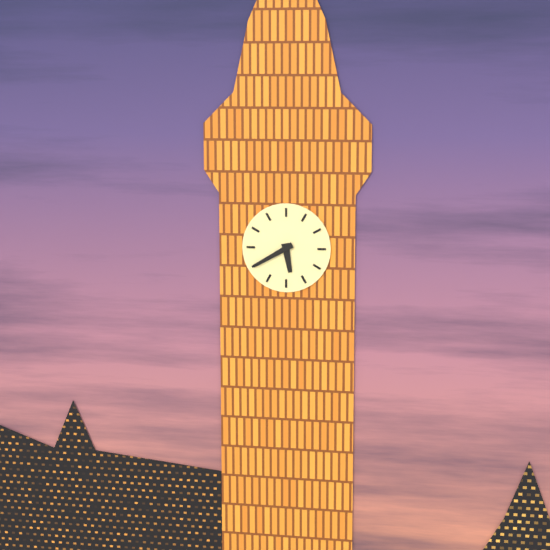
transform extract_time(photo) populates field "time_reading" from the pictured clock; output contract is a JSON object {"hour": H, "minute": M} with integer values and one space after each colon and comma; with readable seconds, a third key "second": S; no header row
{"hour": 5, "minute": 40}
